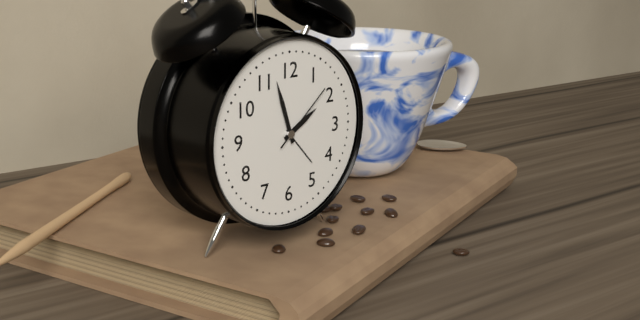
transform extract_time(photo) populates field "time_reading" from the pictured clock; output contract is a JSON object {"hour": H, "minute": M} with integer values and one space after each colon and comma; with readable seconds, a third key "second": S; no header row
{"hour": 1, "minute": 57, "second": 8}
